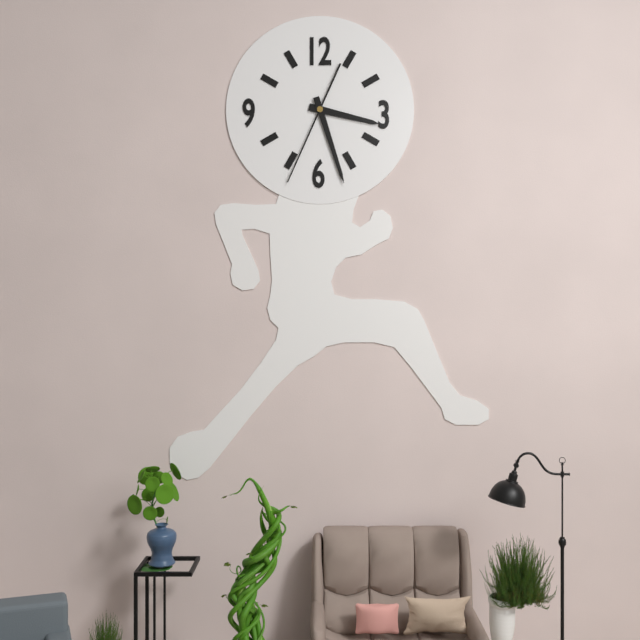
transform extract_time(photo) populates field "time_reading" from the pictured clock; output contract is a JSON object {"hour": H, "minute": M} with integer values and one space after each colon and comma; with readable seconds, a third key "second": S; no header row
{"hour": 3, "minute": 27, "second": 34}
